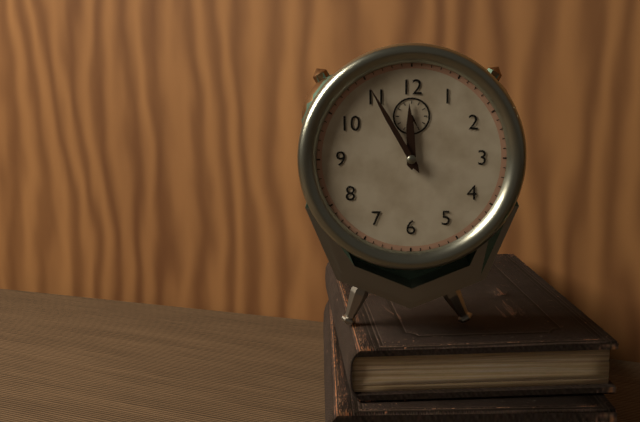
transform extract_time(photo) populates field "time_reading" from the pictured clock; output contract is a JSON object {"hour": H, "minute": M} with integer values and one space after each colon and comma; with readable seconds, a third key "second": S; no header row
{"hour": 11, "minute": 55}
